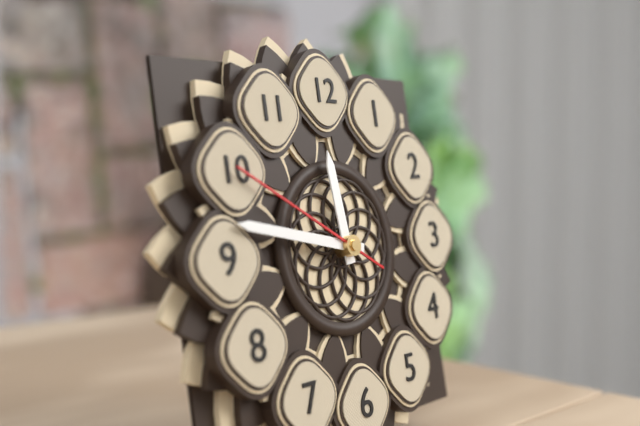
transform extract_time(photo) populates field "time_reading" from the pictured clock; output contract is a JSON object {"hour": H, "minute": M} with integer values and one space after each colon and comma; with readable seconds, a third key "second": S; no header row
{"hour": 11, "minute": 47, "second": 50}
